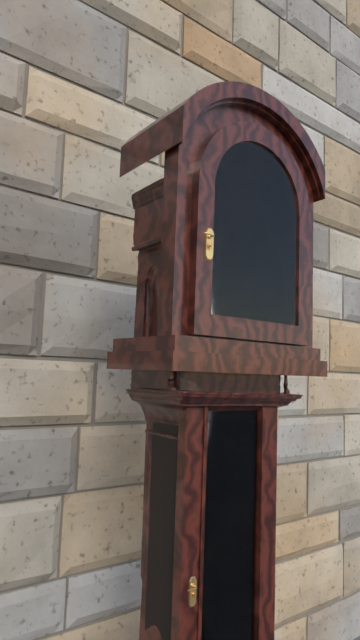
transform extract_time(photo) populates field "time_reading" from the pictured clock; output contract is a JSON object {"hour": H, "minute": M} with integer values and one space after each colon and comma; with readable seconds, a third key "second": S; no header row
{"hour": 7, "minute": 32}
